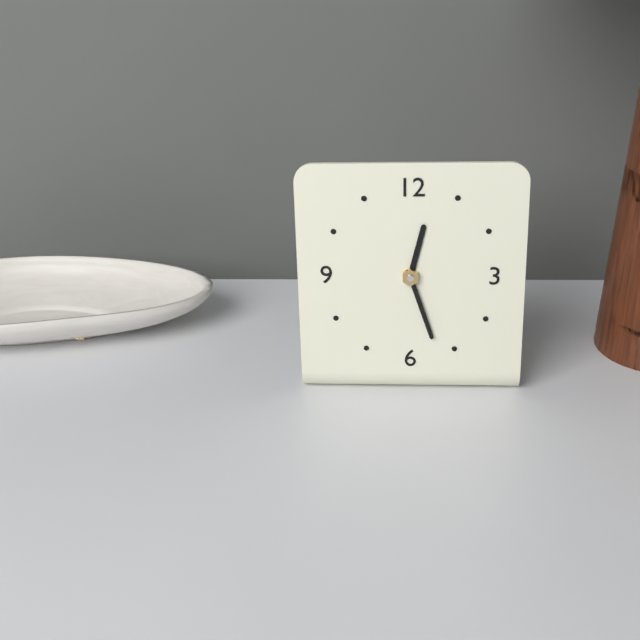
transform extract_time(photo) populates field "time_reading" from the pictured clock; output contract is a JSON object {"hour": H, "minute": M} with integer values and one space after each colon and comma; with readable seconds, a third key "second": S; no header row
{"hour": 12, "minute": 27}
